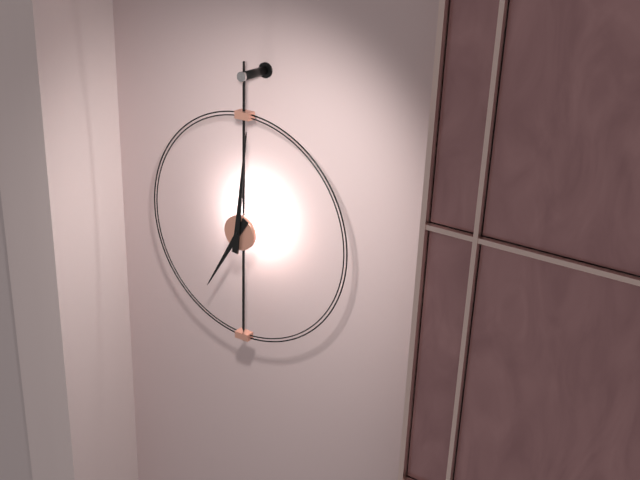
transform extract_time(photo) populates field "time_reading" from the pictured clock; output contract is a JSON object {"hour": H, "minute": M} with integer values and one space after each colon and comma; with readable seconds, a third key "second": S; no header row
{"hour": 7, "minute": 1}
